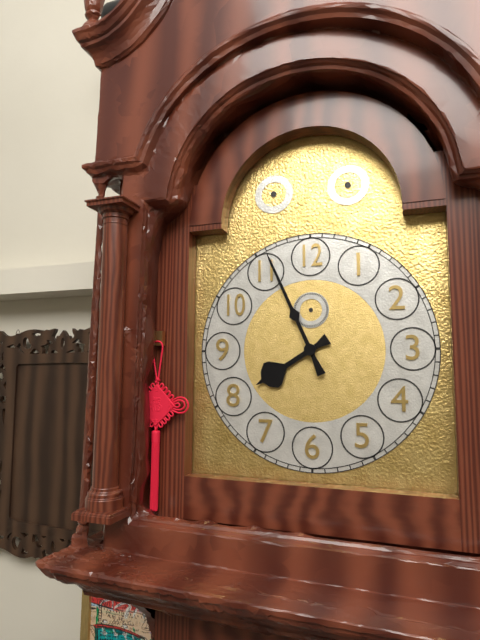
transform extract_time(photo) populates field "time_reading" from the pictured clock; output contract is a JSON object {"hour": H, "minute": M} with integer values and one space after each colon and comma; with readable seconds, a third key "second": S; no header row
{"hour": 7, "minute": 56}
